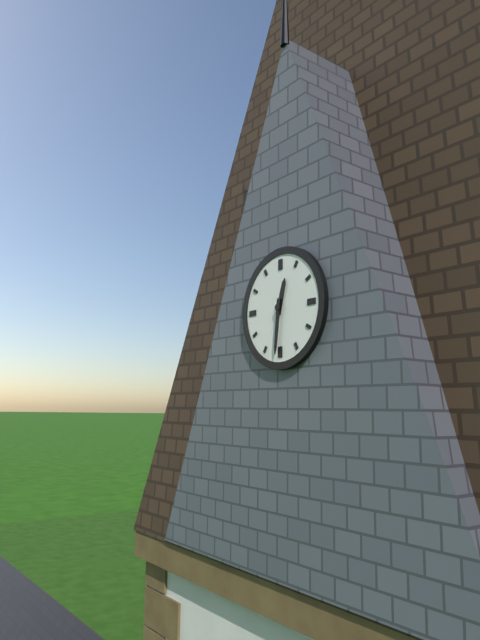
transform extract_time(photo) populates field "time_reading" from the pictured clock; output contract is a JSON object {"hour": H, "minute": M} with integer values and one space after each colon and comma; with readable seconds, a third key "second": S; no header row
{"hour": 12, "minute": 31}
